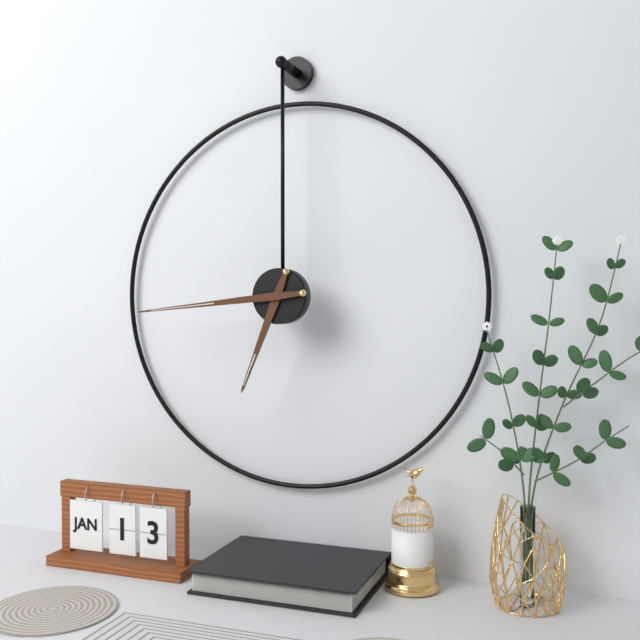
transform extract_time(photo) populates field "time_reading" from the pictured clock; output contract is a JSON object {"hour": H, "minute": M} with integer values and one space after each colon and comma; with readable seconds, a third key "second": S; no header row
{"hour": 6, "minute": 44}
